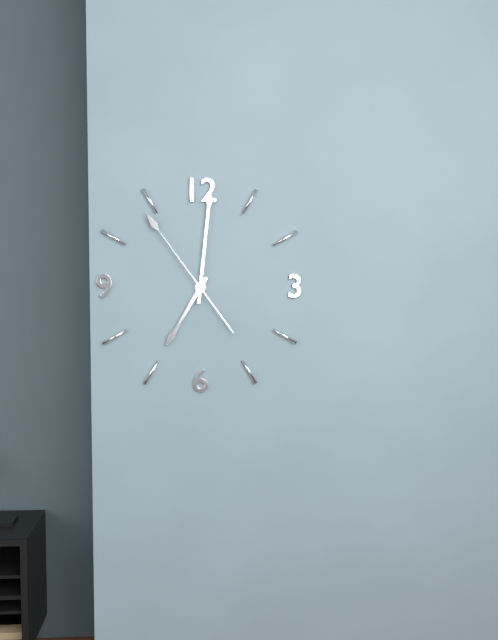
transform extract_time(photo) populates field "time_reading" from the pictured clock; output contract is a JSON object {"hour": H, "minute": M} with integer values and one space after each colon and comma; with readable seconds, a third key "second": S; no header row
{"hour": 7, "minute": 1, "second": 54}
